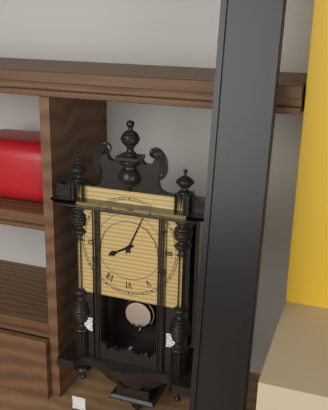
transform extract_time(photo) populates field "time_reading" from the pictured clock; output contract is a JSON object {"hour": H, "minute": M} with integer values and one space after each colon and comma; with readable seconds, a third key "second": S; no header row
{"hour": 8, "minute": 4}
